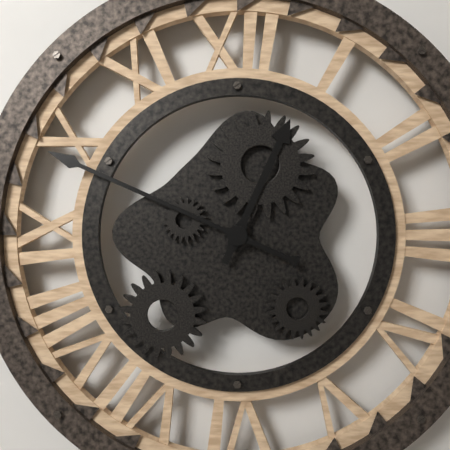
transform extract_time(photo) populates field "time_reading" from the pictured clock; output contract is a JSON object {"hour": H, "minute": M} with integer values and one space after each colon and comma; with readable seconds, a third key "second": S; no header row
{"hour": 12, "minute": 49}
